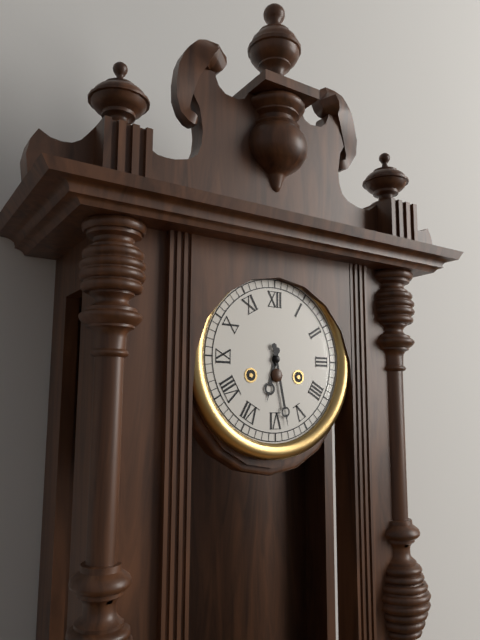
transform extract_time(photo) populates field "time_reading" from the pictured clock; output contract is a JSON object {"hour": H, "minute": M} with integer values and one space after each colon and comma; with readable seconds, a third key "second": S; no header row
{"hour": 6, "minute": 28}
